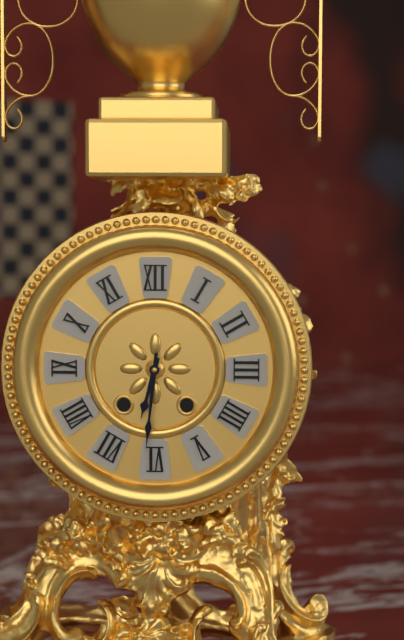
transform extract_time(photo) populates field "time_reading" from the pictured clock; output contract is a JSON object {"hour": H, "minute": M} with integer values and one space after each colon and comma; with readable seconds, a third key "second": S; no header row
{"hour": 6, "minute": 31}
